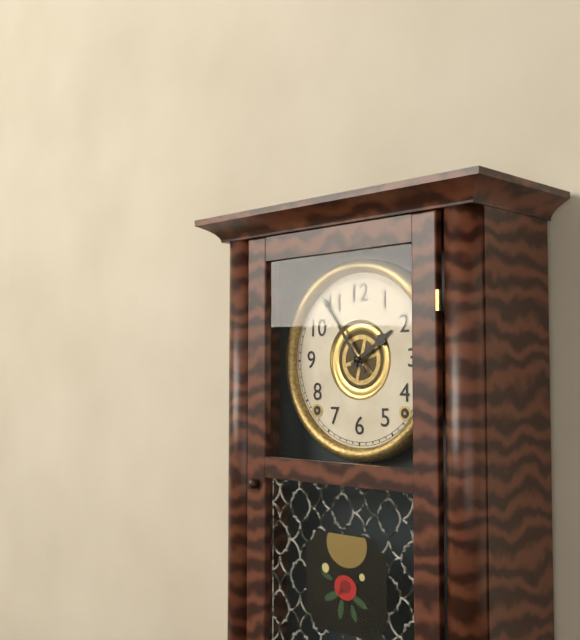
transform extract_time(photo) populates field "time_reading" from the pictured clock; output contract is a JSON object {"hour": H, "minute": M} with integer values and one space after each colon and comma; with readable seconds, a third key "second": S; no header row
{"hour": 1, "minute": 54}
